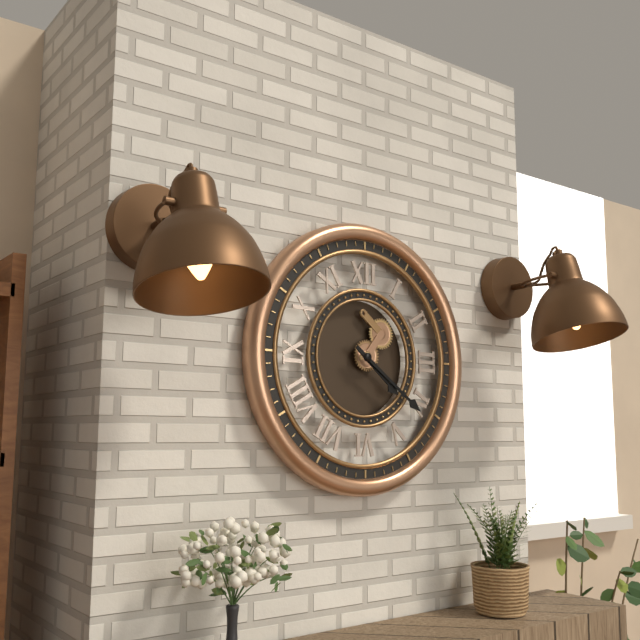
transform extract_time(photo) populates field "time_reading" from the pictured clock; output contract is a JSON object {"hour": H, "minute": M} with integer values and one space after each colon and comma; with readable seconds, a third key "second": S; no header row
{"hour": 4, "minute": 21}
